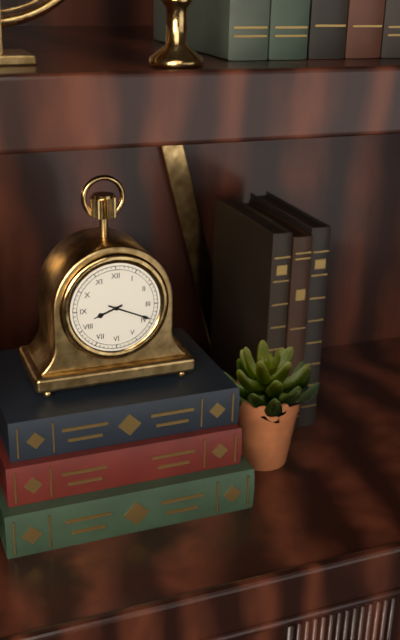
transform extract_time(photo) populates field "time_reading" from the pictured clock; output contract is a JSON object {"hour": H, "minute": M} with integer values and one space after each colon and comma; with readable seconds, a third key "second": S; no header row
{"hour": 8, "minute": 19}
